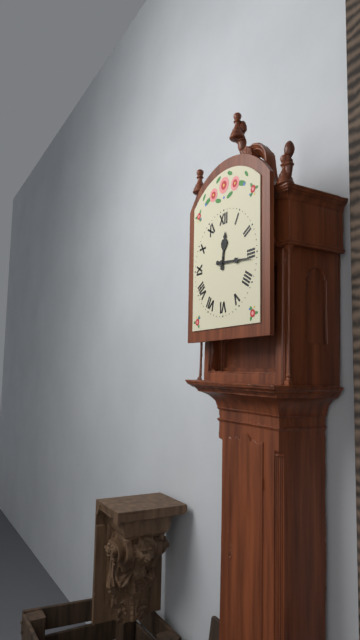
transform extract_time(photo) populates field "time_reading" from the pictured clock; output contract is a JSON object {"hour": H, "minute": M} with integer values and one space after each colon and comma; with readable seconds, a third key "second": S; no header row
{"hour": 12, "minute": 16}
